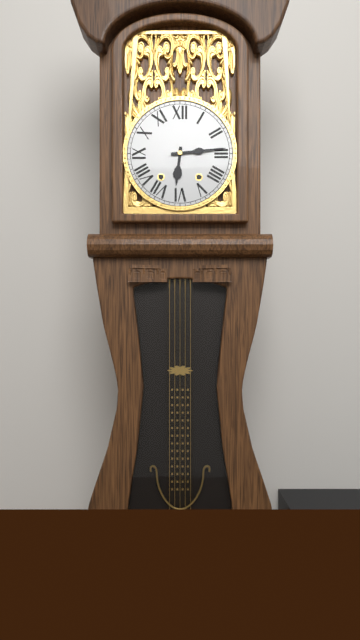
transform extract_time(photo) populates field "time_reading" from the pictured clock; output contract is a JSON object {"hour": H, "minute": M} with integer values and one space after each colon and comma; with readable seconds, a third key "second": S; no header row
{"hour": 6, "minute": 14}
